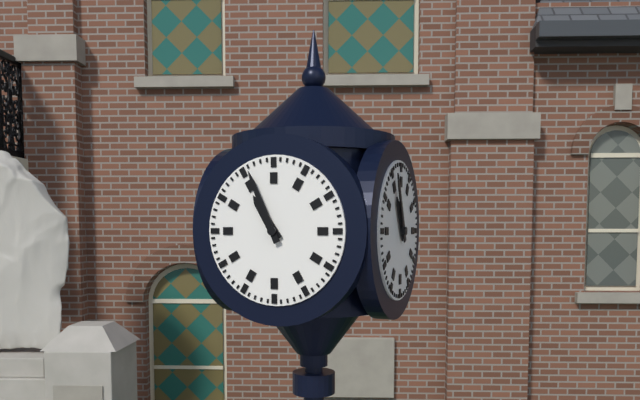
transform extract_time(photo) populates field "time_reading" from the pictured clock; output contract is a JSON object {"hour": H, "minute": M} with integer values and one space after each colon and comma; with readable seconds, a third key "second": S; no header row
{"hour": 10, "minute": 56}
